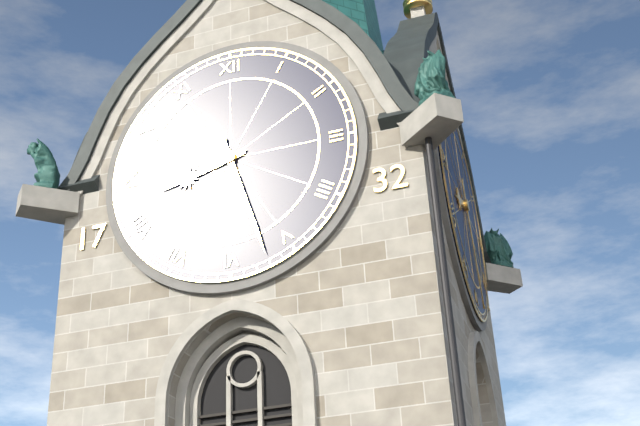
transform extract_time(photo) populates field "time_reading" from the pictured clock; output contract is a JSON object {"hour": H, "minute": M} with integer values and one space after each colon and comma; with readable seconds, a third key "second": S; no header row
{"hour": 8, "minute": 27}
